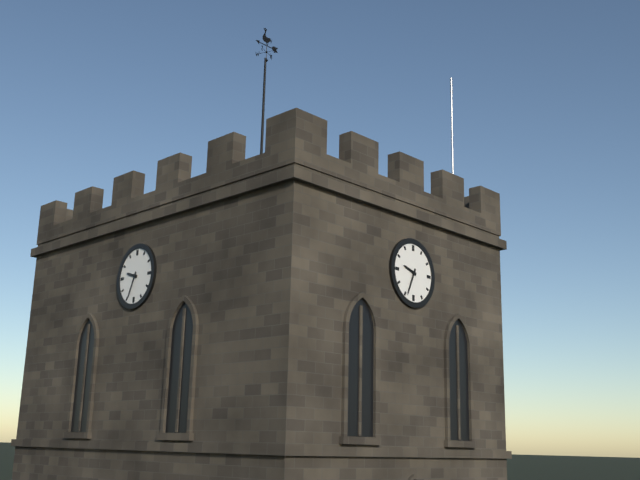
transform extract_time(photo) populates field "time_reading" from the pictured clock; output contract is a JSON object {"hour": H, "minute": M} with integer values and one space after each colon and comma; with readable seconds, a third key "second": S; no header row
{"hour": 9, "minute": 34}
